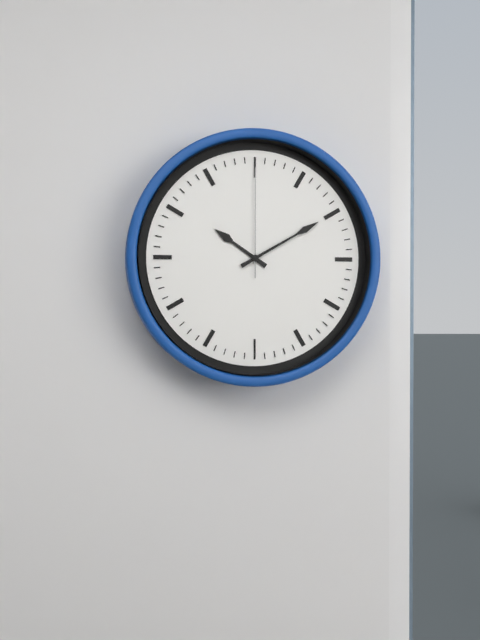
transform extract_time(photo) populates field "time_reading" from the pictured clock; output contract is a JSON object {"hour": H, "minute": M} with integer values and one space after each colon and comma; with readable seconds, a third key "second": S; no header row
{"hour": 10, "minute": 10, "second": 0}
